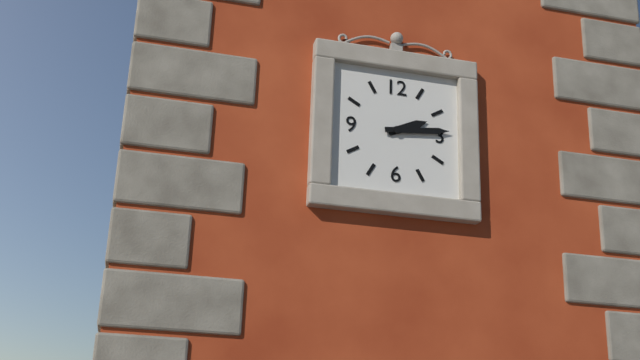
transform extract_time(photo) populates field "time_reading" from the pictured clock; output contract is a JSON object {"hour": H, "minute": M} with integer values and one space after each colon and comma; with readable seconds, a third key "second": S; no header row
{"hour": 2, "minute": 14}
